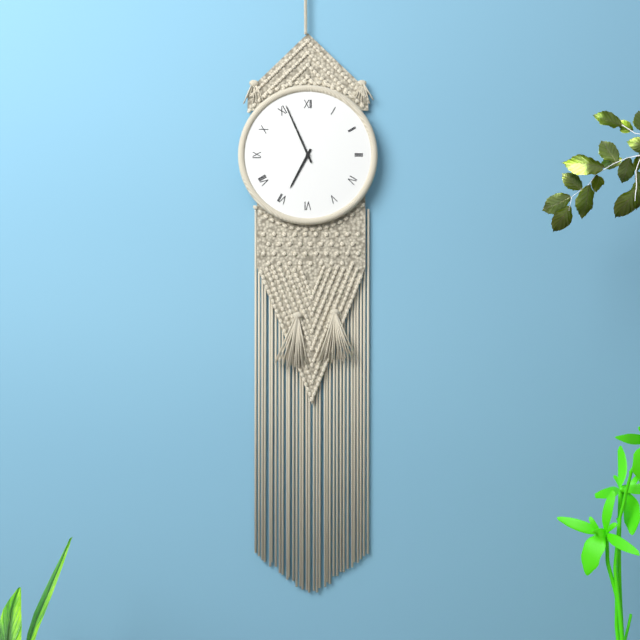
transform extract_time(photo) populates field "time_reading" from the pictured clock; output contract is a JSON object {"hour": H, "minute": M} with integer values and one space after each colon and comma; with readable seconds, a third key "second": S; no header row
{"hour": 6, "minute": 56}
